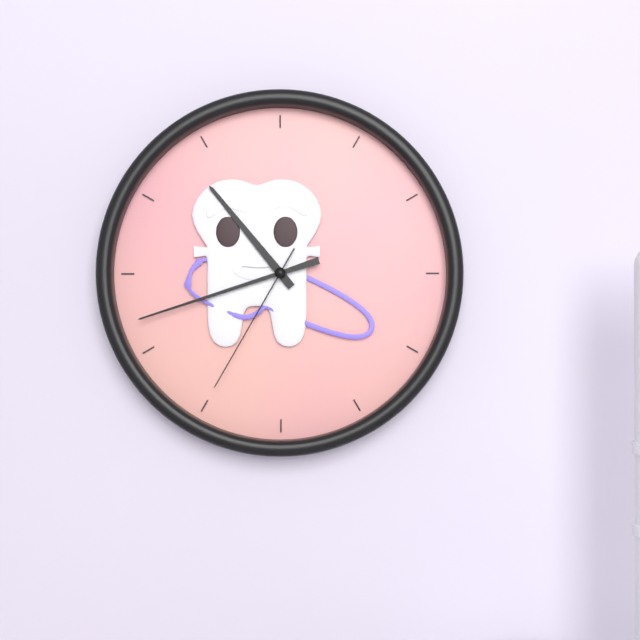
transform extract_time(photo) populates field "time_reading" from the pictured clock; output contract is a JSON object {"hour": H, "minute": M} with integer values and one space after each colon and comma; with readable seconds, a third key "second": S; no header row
{"hour": 10, "minute": 42, "second": 35}
